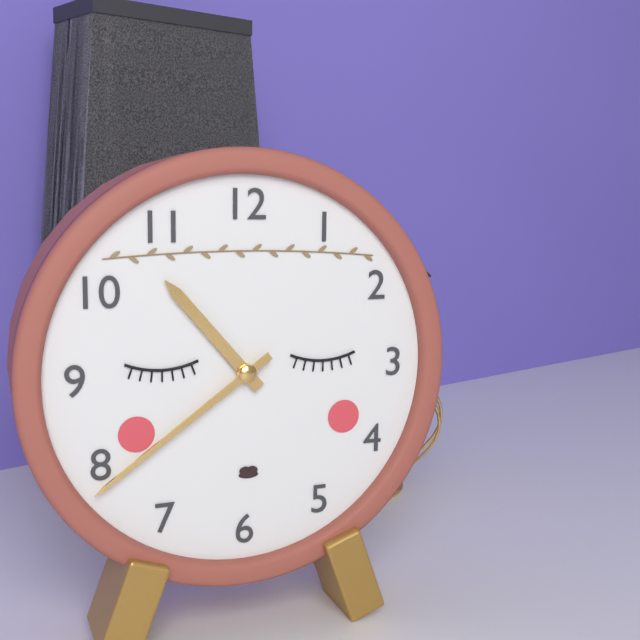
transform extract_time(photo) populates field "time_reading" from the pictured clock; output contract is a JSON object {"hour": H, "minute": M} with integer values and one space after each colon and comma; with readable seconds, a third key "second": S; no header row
{"hour": 10, "minute": 39}
